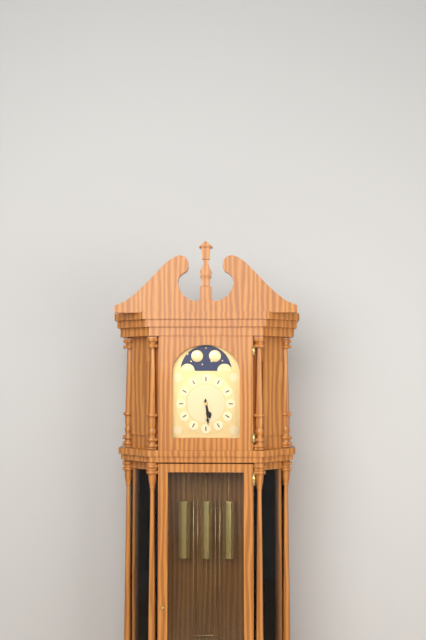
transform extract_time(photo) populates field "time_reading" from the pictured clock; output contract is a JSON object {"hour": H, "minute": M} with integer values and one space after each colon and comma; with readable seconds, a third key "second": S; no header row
{"hour": 5, "minute": 29}
